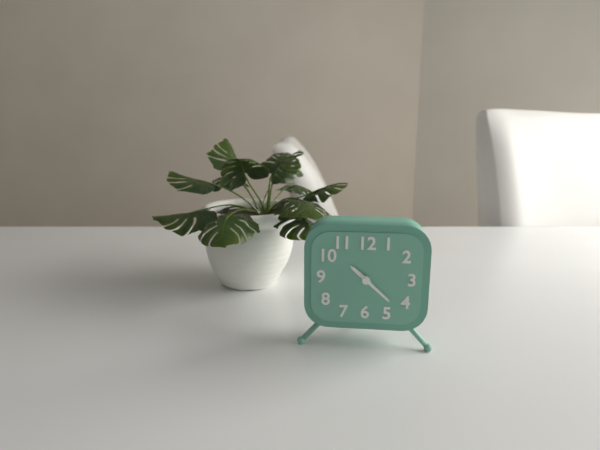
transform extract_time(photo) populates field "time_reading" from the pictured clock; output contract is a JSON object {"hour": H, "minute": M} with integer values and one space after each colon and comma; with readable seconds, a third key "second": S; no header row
{"hour": 10, "minute": 22}
